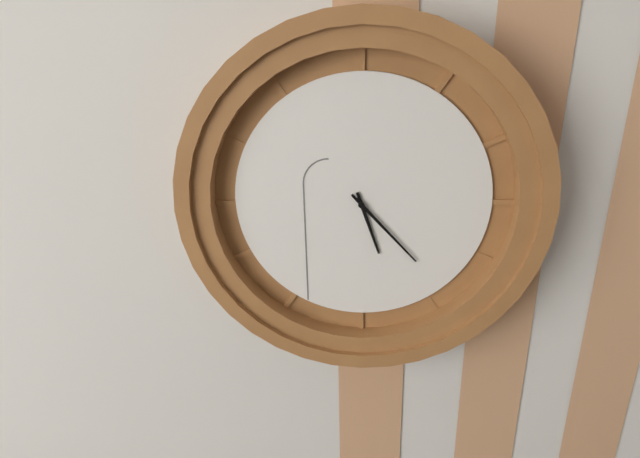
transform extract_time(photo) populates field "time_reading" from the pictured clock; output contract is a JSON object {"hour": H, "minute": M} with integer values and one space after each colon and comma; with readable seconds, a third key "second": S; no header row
{"hour": 5, "minute": 23}
